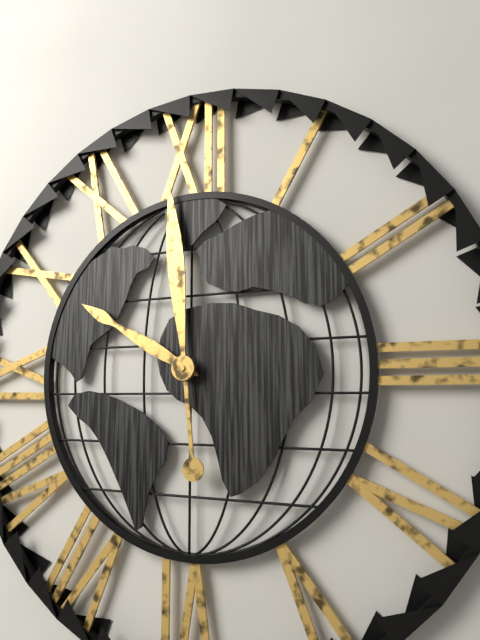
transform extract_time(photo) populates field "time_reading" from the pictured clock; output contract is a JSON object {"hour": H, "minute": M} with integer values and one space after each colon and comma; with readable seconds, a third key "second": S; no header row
{"hour": 9, "minute": 59}
